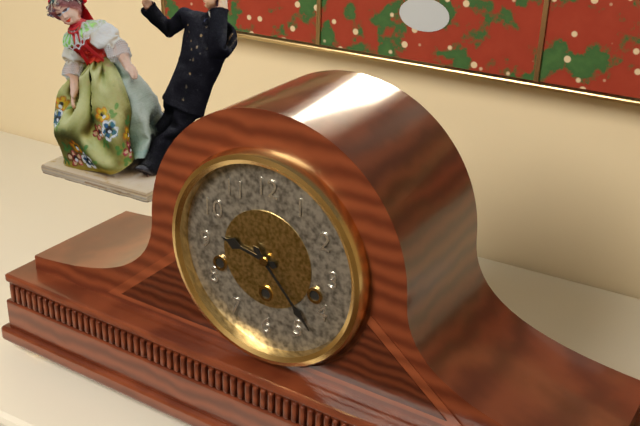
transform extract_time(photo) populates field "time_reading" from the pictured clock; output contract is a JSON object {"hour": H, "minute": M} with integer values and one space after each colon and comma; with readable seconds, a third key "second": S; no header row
{"hour": 9, "minute": 23}
